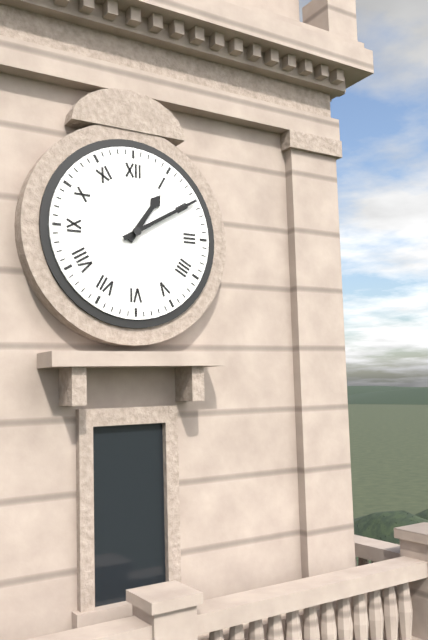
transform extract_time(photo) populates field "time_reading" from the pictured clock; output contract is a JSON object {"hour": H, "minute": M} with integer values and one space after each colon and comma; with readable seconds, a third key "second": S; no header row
{"hour": 1, "minute": 10}
